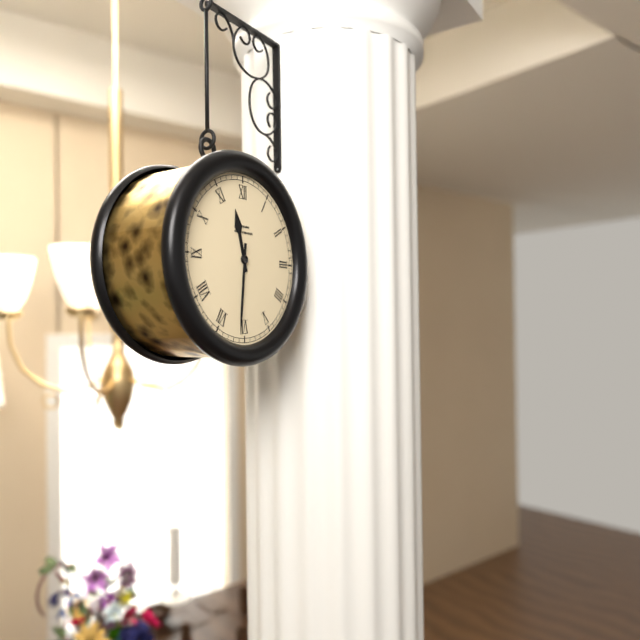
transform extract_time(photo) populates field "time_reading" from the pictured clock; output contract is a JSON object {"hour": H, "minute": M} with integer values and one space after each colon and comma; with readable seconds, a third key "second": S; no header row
{"hour": 11, "minute": 31}
